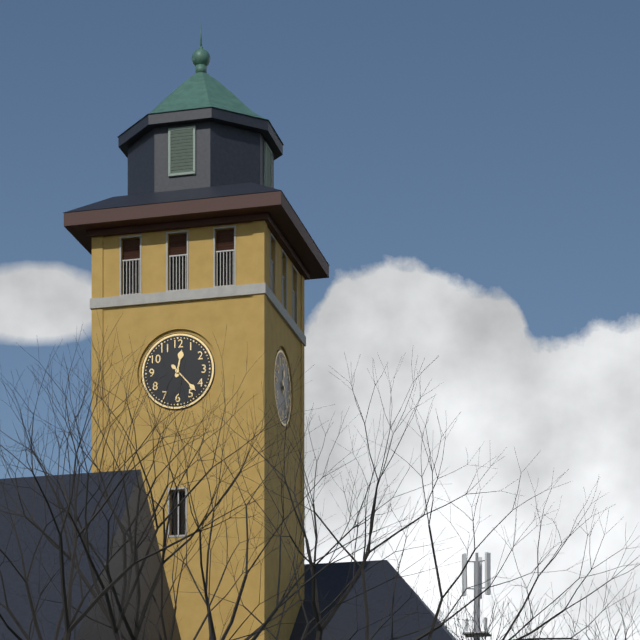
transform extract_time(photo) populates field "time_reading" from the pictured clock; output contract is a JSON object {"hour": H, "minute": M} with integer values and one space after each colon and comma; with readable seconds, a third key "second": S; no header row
{"hour": 12, "minute": 23}
